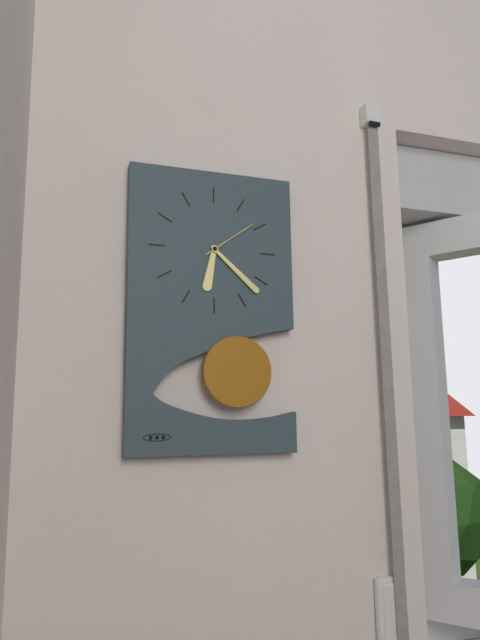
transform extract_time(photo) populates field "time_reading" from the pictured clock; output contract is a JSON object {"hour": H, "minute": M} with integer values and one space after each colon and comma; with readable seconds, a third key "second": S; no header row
{"hour": 6, "minute": 22, "second": 9}
